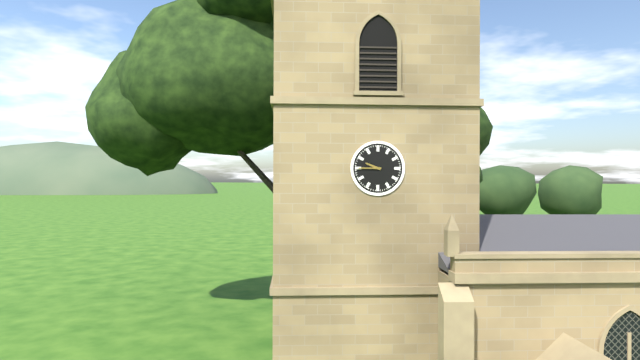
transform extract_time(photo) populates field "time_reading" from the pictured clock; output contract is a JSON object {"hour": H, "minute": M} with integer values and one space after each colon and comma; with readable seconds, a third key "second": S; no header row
{"hour": 9, "minute": 45}
